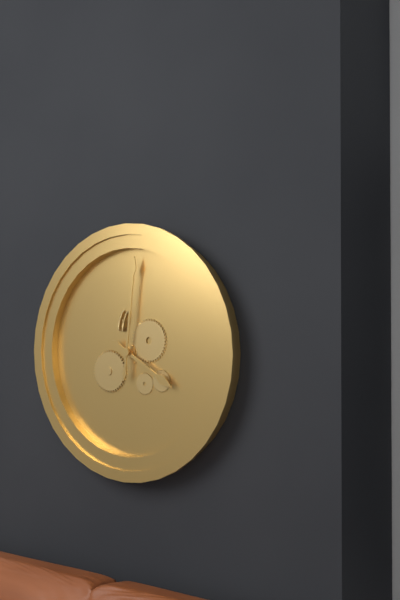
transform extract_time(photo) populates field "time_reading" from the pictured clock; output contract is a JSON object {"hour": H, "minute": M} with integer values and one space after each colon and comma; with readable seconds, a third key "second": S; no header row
{"hour": 4, "minute": 1}
